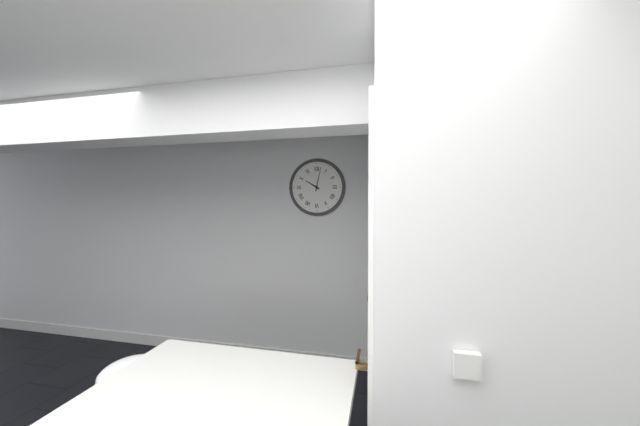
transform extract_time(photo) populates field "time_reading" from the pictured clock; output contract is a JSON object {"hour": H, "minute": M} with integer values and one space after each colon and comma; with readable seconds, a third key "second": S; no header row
{"hour": 10, "minute": 2}
